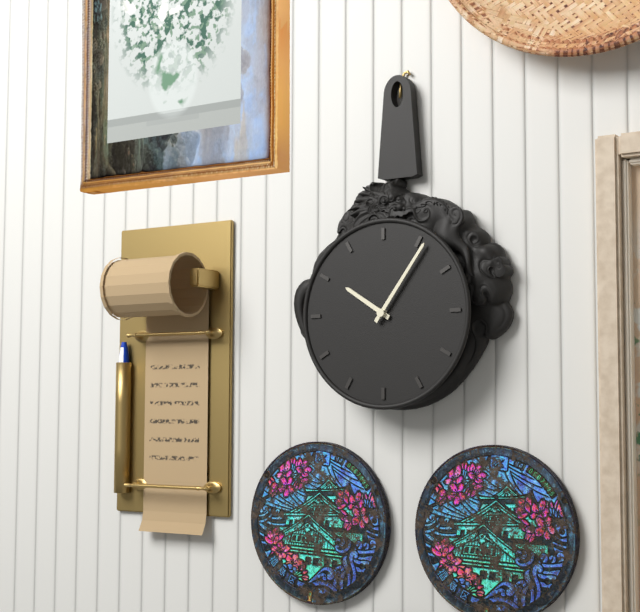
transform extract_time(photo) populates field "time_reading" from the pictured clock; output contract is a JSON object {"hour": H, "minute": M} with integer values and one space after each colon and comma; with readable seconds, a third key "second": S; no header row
{"hour": 10, "minute": 6}
